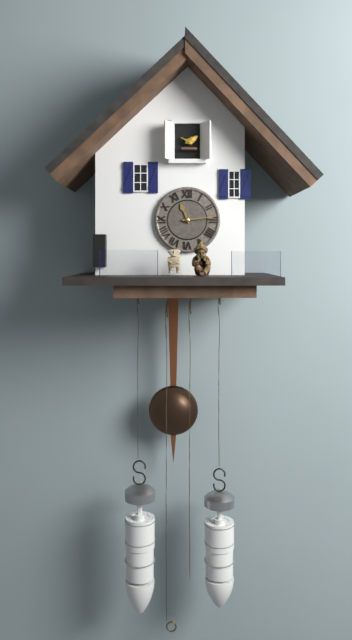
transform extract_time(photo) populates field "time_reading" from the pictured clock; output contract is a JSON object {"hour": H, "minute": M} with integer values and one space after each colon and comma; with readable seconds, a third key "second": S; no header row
{"hour": 11, "minute": 14}
